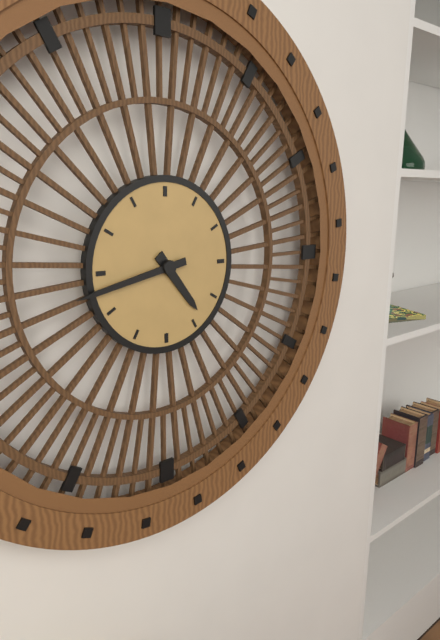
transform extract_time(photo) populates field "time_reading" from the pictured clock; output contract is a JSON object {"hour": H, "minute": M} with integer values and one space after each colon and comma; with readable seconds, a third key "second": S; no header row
{"hour": 4, "minute": 43}
